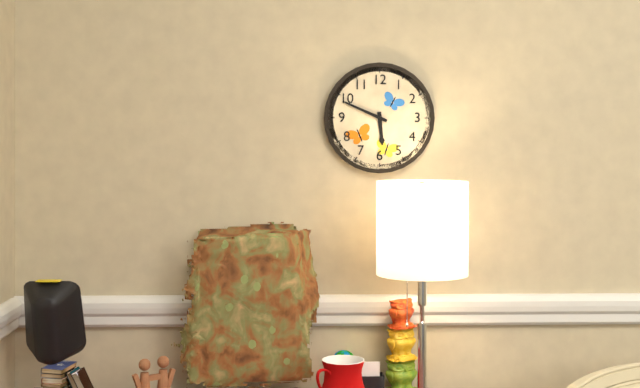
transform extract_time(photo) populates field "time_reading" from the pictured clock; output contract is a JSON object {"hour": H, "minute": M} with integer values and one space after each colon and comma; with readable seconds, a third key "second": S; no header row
{"hour": 5, "minute": 49}
